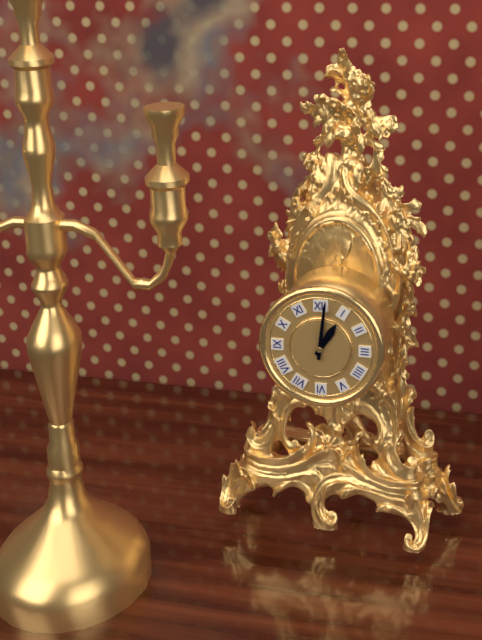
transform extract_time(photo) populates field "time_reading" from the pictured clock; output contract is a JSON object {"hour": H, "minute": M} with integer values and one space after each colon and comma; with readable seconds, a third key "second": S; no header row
{"hour": 1, "minute": 1}
